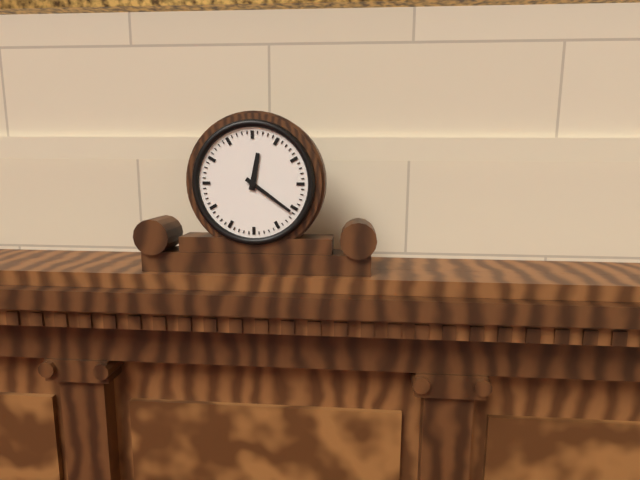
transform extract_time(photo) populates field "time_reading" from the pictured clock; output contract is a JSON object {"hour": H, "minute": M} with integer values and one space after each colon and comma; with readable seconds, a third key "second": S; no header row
{"hour": 12, "minute": 21}
